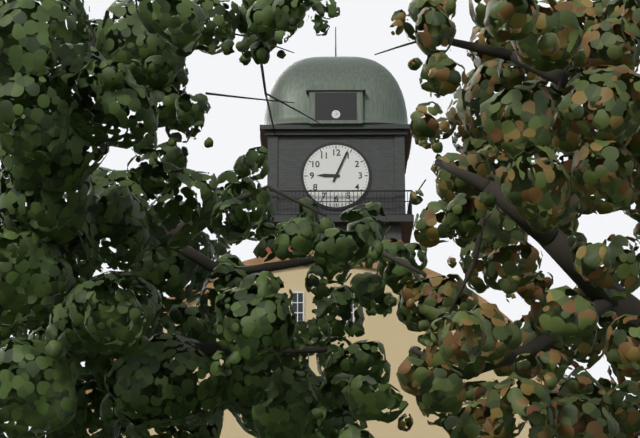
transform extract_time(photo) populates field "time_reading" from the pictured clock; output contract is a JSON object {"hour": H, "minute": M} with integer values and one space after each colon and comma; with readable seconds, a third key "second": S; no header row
{"hour": 9, "minute": 4}
